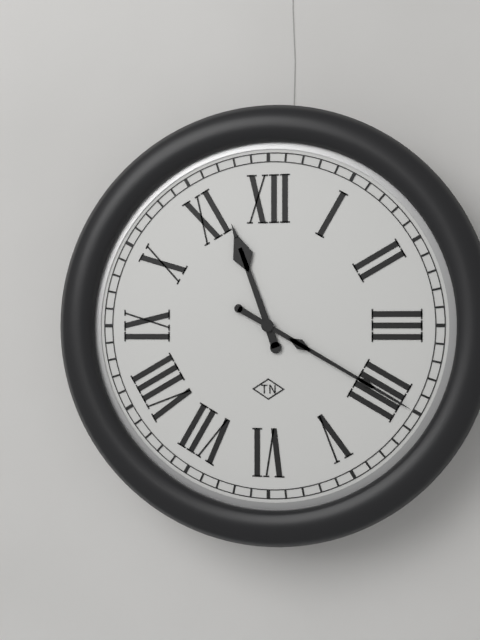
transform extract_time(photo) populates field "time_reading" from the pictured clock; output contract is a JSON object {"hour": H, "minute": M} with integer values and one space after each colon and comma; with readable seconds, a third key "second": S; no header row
{"hour": 11, "minute": 20}
